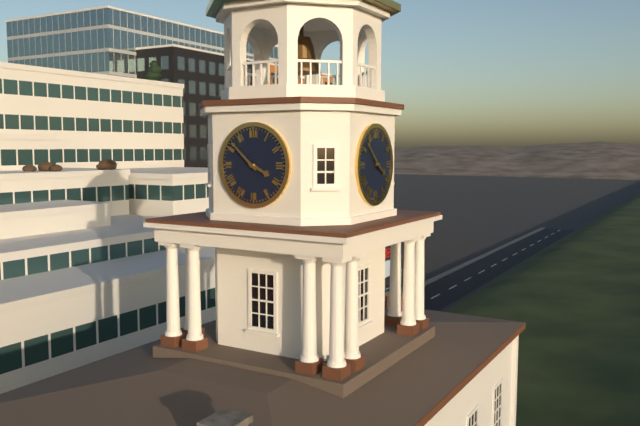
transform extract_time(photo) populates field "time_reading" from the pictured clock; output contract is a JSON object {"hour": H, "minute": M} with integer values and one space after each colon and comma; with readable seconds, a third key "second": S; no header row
{"hour": 3, "minute": 52}
